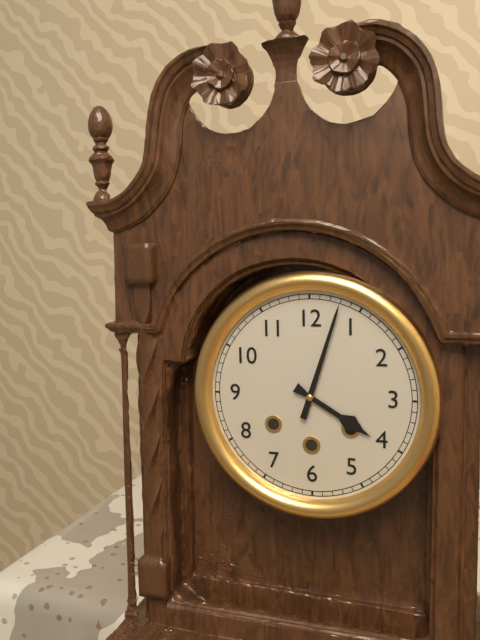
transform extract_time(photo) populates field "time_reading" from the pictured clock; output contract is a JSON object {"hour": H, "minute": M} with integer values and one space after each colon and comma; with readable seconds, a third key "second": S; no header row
{"hour": 4, "minute": 3}
